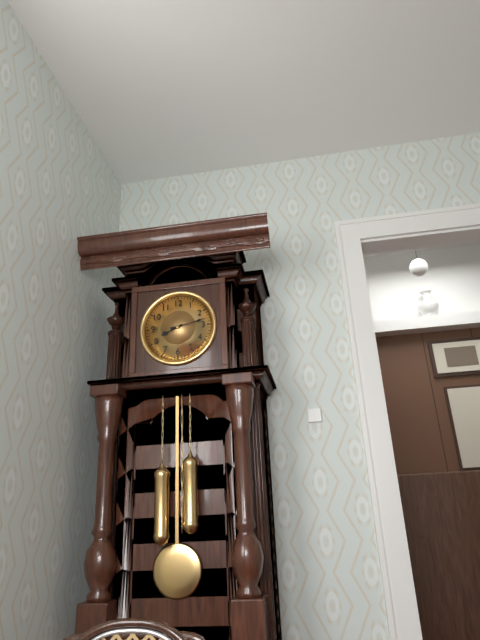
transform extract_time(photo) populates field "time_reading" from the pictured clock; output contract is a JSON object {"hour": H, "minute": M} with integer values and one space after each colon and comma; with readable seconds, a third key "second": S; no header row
{"hour": 8, "minute": 13}
